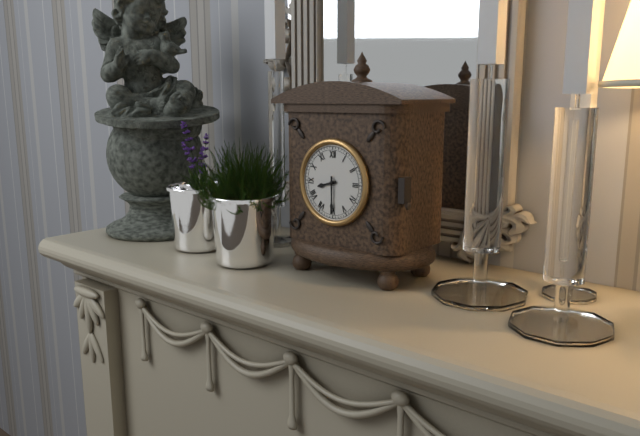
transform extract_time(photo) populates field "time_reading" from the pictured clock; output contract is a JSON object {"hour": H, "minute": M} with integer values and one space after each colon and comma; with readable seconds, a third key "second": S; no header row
{"hour": 8, "minute": 30}
